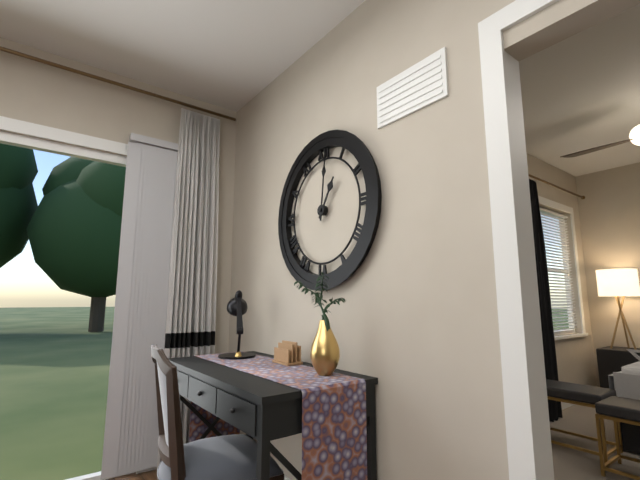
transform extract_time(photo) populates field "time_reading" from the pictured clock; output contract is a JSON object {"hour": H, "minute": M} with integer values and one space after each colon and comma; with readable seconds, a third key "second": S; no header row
{"hour": 1, "minute": 1}
